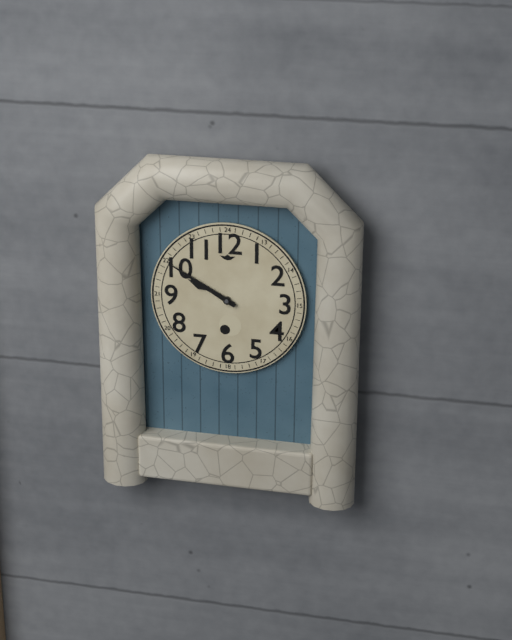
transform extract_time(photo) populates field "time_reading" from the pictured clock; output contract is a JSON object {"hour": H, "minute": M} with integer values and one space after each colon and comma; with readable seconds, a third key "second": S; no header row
{"hour": 9, "minute": 50}
